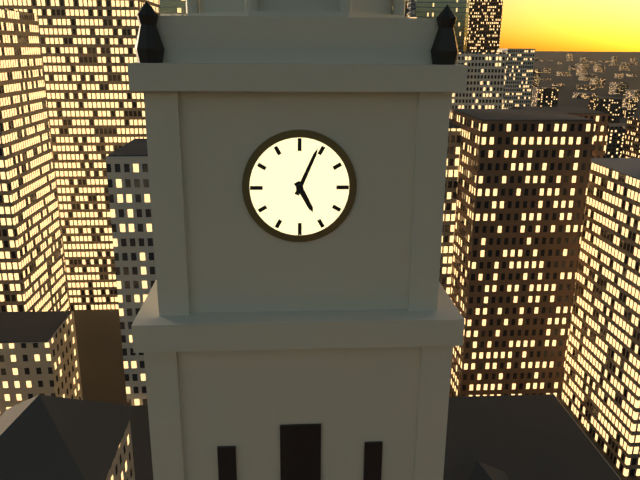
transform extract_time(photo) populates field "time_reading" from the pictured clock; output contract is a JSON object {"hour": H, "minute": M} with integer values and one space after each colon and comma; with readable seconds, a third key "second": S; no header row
{"hour": 5, "minute": 4}
